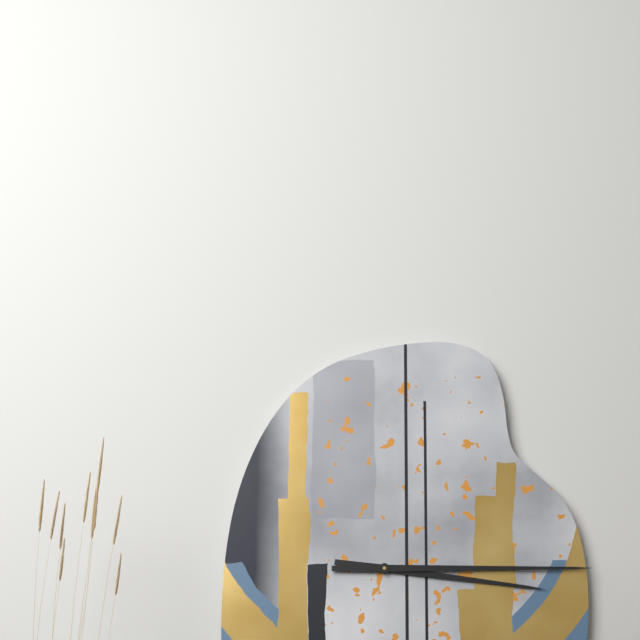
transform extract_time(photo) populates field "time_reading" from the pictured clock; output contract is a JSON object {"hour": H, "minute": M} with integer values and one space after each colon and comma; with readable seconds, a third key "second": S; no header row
{"hour": 3, "minute": 15}
